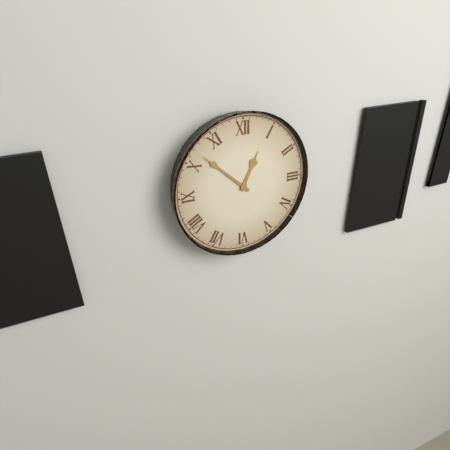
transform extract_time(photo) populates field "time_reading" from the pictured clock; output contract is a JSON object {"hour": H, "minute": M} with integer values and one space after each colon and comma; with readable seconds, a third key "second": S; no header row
{"hour": 12, "minute": 52}
